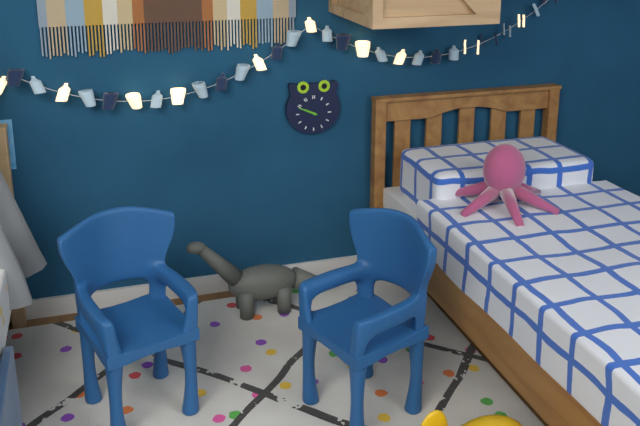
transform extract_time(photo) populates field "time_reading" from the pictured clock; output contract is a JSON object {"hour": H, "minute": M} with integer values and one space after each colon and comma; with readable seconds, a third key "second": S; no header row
{"hour": 9, "minute": 49}
